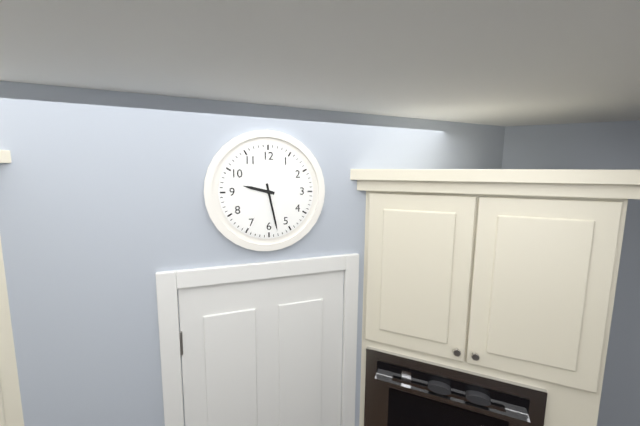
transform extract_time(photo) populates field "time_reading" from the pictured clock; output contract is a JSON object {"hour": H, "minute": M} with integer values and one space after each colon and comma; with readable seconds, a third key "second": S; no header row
{"hour": 9, "minute": 28}
